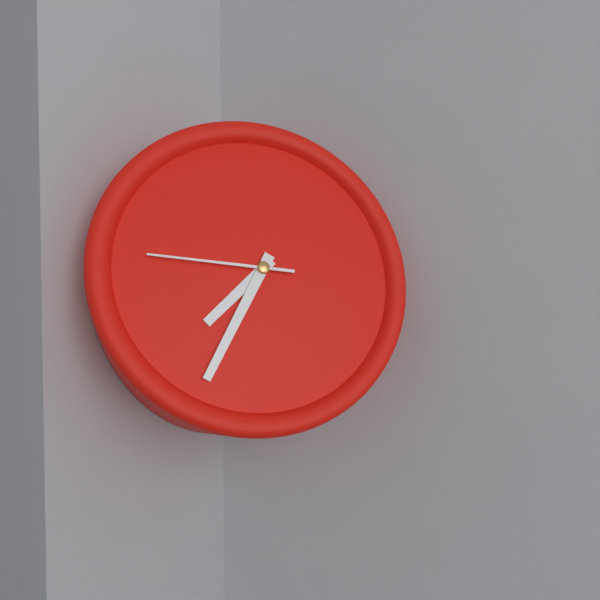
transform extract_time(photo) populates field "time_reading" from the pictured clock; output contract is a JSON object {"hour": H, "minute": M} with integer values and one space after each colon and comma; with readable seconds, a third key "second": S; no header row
{"hour": 7, "minute": 35, "second": 46}
